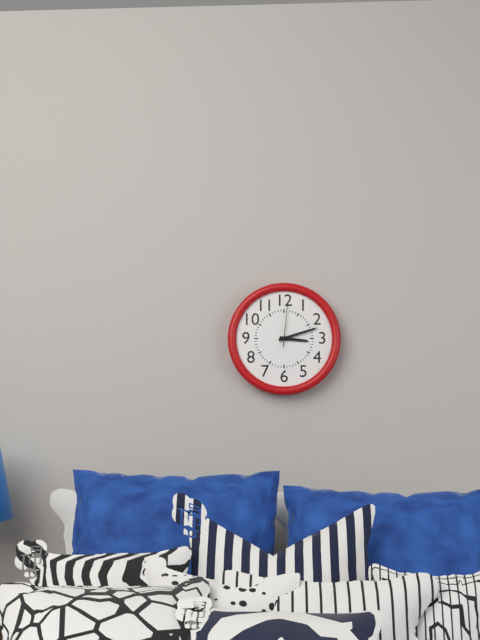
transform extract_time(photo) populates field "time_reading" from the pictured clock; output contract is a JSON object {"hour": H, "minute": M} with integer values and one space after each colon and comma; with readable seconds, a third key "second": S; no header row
{"hour": 3, "minute": 12}
